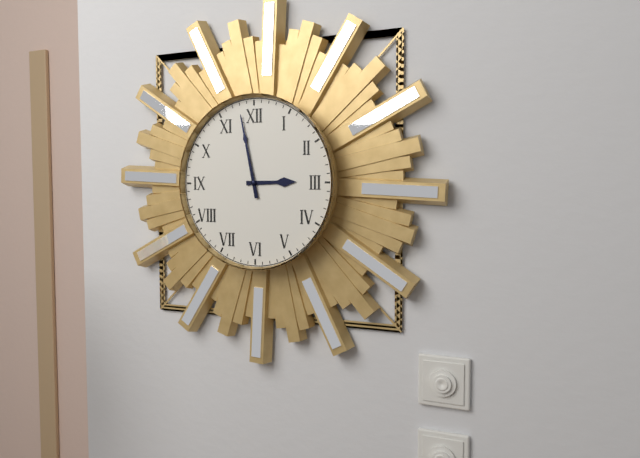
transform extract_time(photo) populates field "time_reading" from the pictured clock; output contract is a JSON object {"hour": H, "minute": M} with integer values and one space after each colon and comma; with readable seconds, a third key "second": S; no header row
{"hour": 2, "minute": 58}
